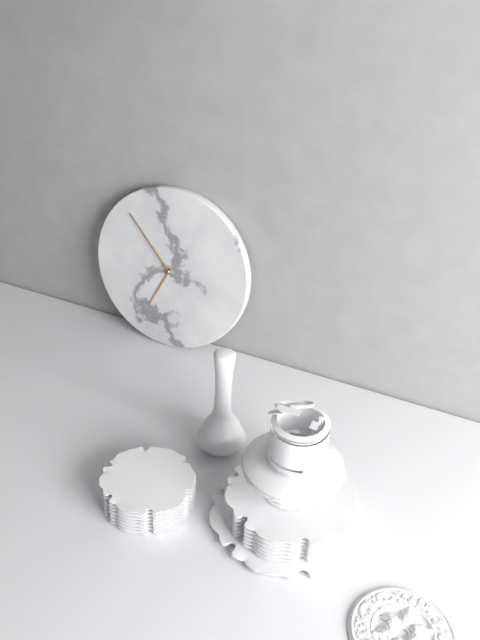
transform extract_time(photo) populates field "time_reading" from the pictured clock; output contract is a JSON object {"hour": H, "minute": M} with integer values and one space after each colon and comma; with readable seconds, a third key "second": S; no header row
{"hour": 6, "minute": 53}
